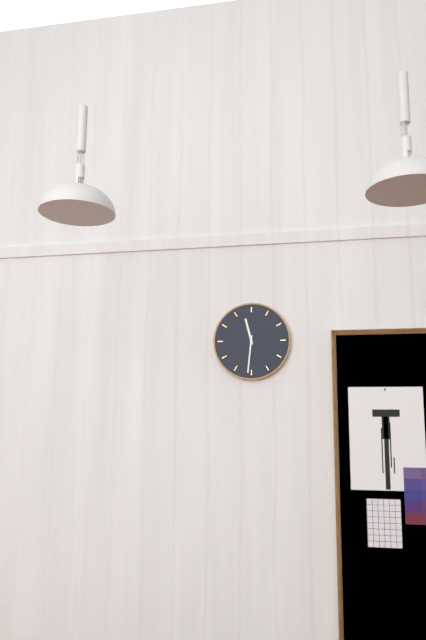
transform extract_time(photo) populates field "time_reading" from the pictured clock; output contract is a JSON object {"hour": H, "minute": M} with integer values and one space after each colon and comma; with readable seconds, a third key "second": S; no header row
{"hour": 11, "minute": 31}
